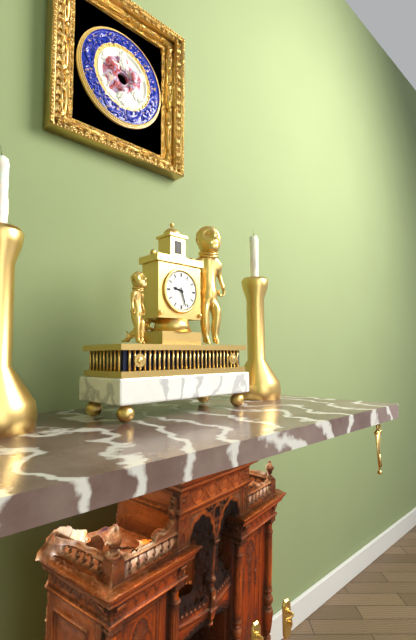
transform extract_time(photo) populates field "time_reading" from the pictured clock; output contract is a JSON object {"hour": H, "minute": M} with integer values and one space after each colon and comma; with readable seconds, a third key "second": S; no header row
{"hour": 9, "minute": 27}
